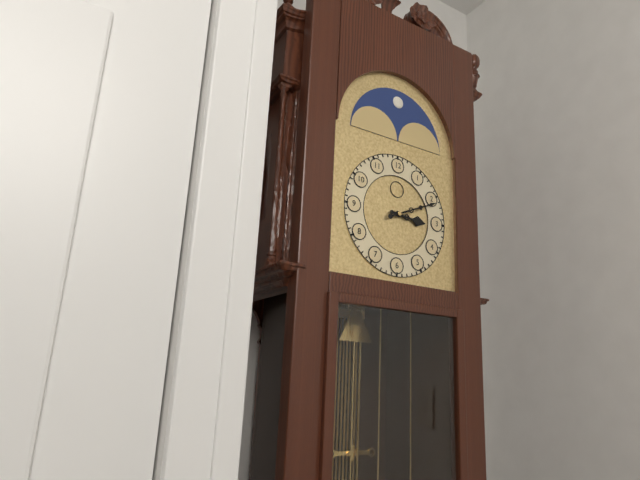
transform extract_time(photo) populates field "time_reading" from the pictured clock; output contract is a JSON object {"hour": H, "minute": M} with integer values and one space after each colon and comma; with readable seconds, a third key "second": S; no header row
{"hour": 3, "minute": 11}
